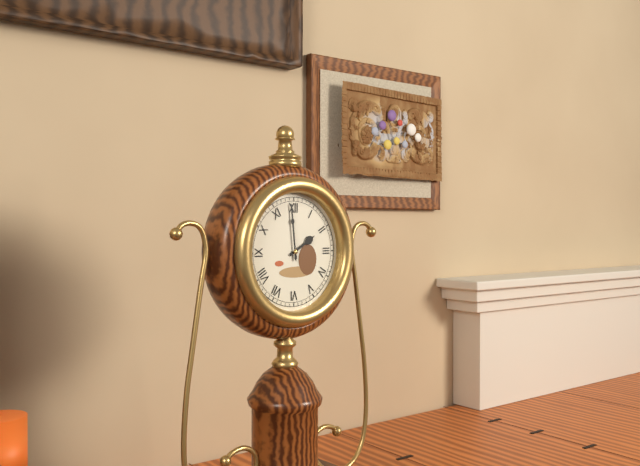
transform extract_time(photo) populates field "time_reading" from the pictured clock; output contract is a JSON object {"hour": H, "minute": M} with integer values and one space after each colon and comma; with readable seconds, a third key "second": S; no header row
{"hour": 1, "minute": 59}
